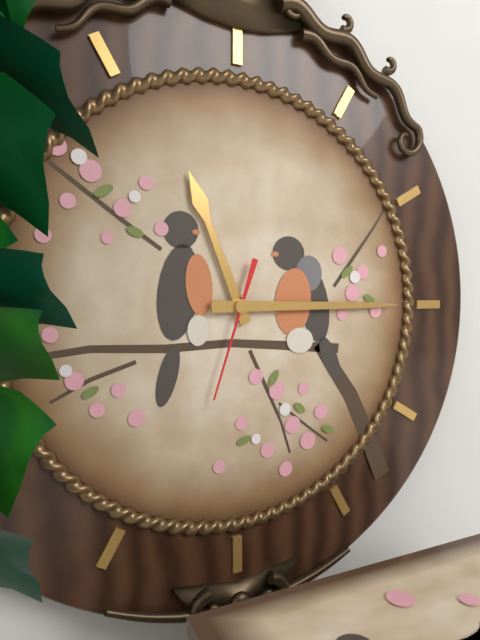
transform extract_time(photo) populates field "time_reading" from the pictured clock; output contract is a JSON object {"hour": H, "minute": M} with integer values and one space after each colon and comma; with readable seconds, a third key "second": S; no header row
{"hour": 11, "minute": 15, "second": 33}
